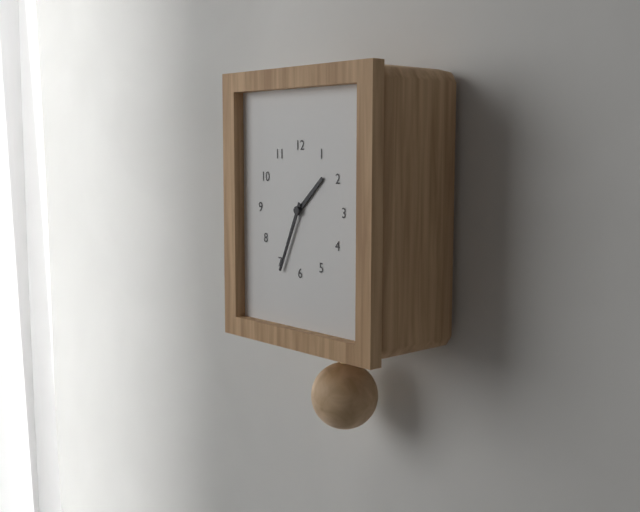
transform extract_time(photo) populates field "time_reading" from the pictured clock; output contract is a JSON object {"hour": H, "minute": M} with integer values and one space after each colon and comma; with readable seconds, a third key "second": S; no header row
{"hour": 1, "minute": 34}
